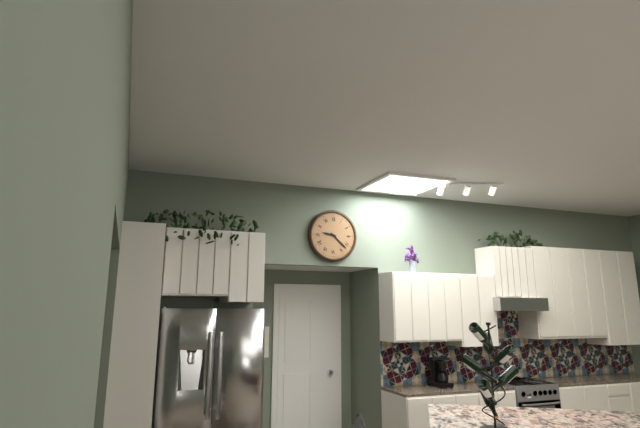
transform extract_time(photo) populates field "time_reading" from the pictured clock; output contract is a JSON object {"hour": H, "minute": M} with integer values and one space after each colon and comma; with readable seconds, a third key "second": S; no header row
{"hour": 9, "minute": 22}
